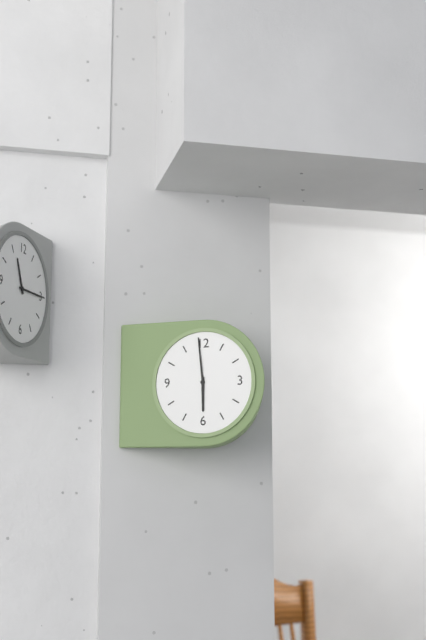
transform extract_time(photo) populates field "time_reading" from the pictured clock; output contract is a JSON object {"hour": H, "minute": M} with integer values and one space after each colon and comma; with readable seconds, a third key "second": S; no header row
{"hour": 5, "minute": 59}
